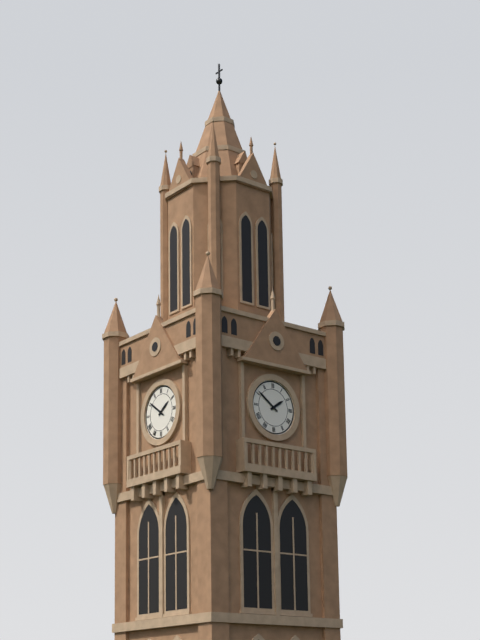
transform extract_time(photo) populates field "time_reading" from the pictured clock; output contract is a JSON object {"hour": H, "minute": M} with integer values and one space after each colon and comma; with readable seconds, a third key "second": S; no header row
{"hour": 1, "minute": 51}
